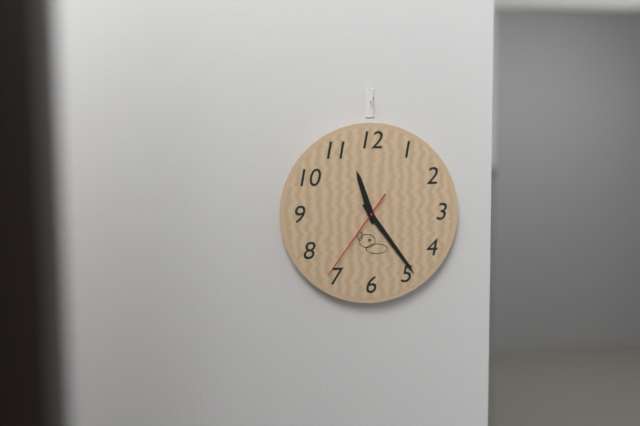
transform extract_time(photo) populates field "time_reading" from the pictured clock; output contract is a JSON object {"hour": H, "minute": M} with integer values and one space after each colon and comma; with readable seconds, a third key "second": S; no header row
{"hour": 11, "minute": 24, "second": 36}
